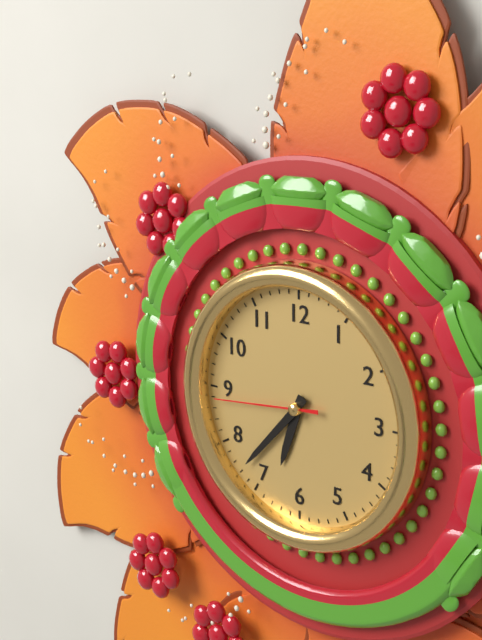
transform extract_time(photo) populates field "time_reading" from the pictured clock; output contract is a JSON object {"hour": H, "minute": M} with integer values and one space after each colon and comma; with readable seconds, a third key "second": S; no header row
{"hour": 6, "minute": 37, "second": 44}
